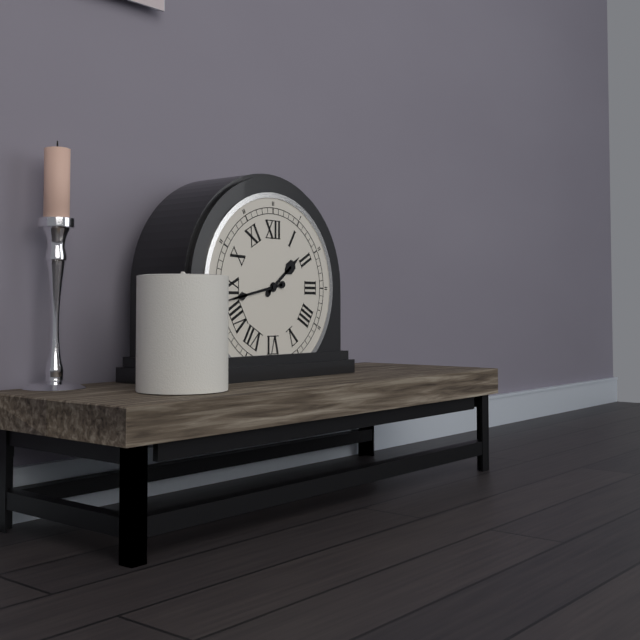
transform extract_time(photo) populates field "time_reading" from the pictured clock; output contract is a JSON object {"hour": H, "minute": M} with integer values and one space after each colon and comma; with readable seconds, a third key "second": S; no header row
{"hour": 1, "minute": 43}
